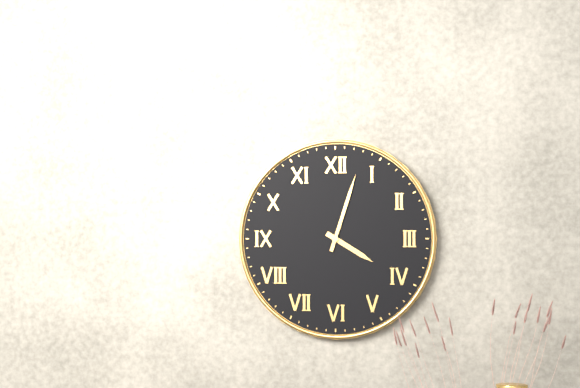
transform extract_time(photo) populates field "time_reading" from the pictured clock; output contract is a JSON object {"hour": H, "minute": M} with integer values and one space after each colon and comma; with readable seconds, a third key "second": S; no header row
{"hour": 4, "minute": 3}
